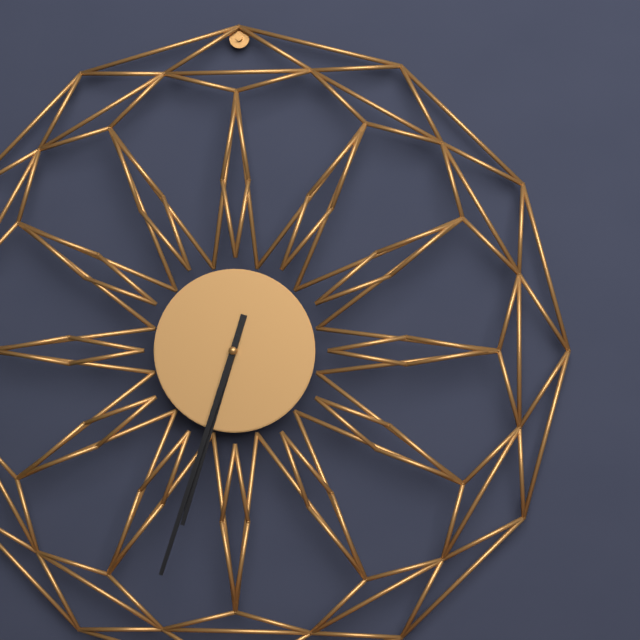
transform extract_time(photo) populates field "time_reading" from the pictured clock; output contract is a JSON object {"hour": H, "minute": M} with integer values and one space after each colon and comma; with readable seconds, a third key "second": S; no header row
{"hour": 6, "minute": 33}
